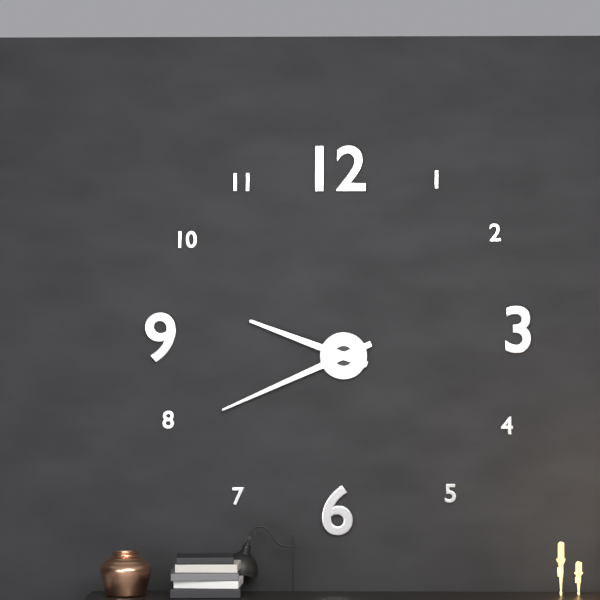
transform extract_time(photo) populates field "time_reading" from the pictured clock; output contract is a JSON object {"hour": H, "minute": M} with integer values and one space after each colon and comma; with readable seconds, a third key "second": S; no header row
{"hour": 9, "minute": 41}
